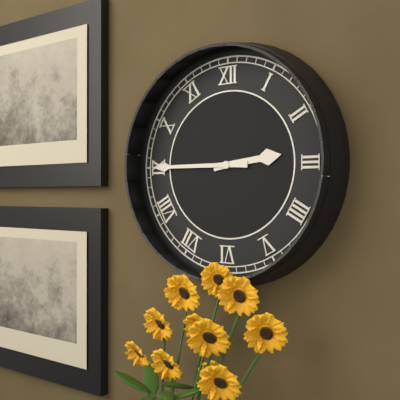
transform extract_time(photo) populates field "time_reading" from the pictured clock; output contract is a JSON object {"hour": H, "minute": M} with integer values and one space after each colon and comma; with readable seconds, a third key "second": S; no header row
{"hour": 2, "minute": 45}
